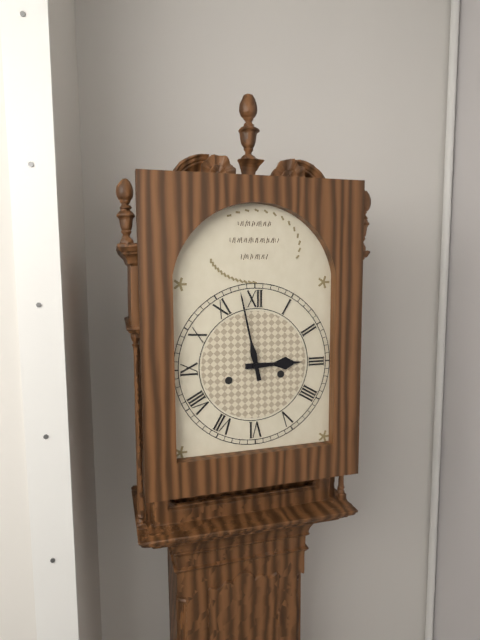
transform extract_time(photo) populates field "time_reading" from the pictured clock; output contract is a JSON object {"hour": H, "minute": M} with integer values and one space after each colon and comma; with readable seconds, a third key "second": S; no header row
{"hour": 2, "minute": 58}
